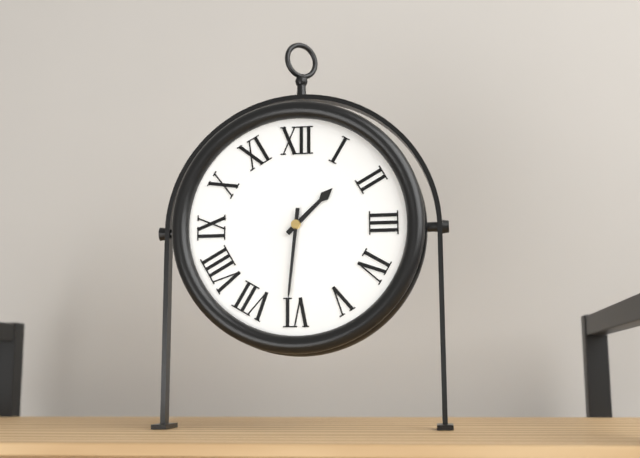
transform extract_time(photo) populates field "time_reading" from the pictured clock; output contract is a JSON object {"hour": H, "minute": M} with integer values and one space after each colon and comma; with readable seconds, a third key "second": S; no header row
{"hour": 1, "minute": 31}
